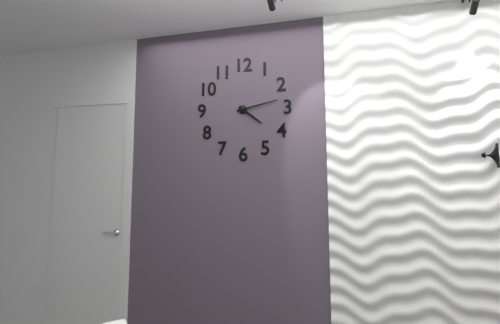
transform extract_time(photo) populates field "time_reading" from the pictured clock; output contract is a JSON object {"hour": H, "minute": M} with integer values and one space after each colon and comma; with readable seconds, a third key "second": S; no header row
{"hour": 4, "minute": 13}
